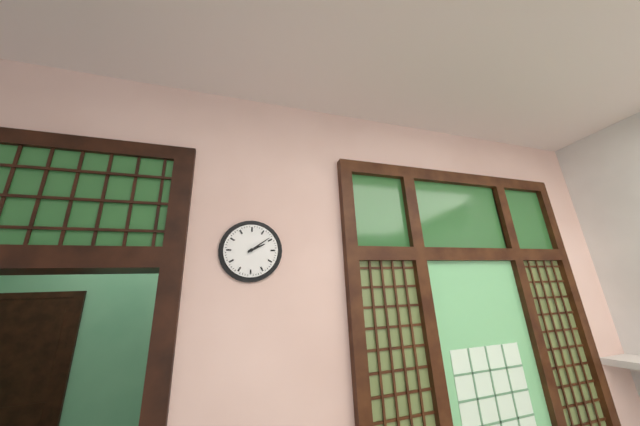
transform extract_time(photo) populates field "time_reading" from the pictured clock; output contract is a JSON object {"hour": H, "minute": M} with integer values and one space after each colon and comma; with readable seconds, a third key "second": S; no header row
{"hour": 2, "minute": 9}
